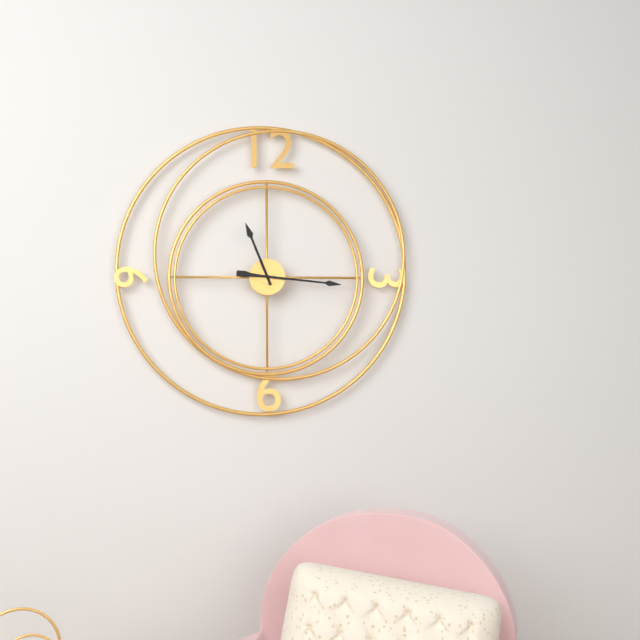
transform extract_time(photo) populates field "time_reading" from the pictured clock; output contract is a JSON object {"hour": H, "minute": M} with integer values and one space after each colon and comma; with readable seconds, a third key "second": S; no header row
{"hour": 11, "minute": 16}
